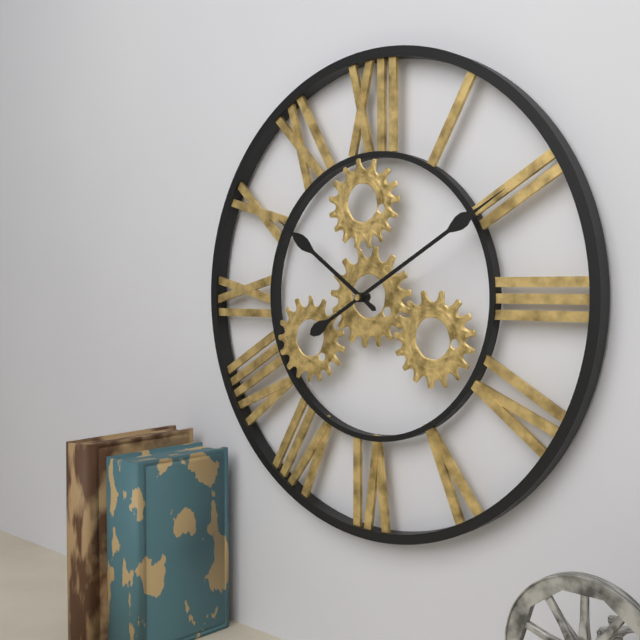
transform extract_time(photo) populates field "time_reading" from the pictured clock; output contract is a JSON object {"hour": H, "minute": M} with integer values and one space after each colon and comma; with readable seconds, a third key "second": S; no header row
{"hour": 10, "minute": 10}
